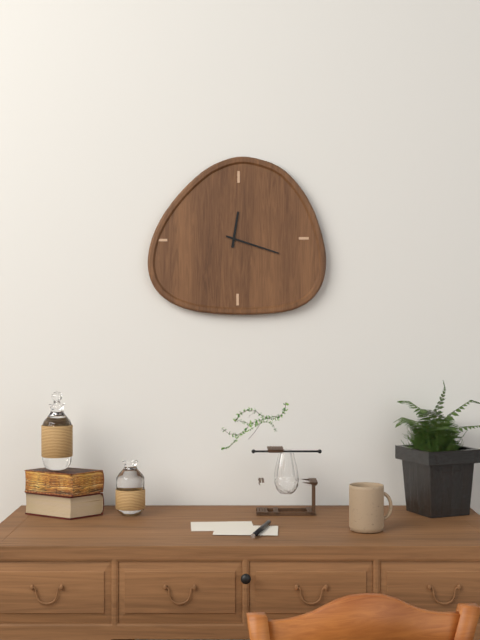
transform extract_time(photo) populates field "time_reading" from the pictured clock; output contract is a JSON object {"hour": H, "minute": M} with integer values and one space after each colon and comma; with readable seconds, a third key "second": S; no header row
{"hour": 12, "minute": 18}
